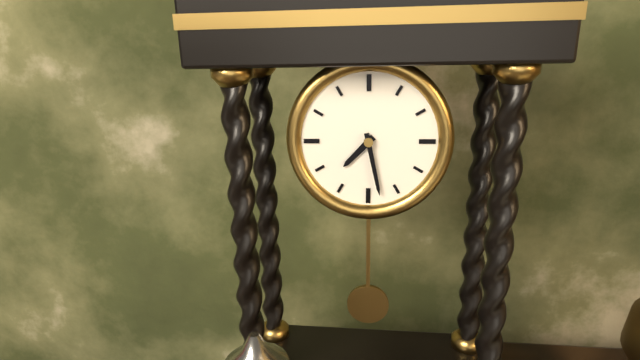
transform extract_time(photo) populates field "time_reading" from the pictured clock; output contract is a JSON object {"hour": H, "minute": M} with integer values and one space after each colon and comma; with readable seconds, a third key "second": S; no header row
{"hour": 7, "minute": 28}
